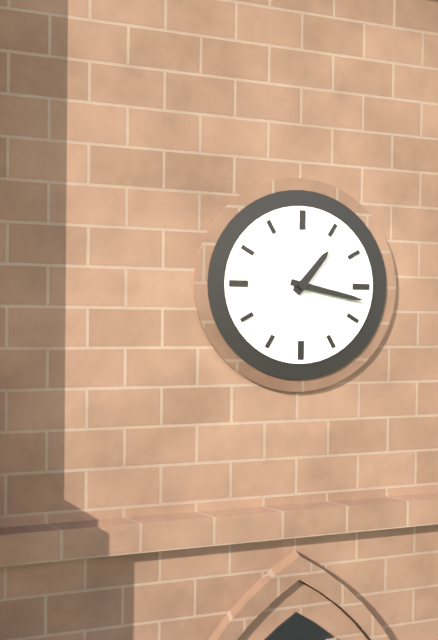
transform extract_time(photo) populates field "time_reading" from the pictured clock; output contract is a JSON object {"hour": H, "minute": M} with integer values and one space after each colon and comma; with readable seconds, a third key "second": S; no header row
{"hour": 1, "minute": 17}
